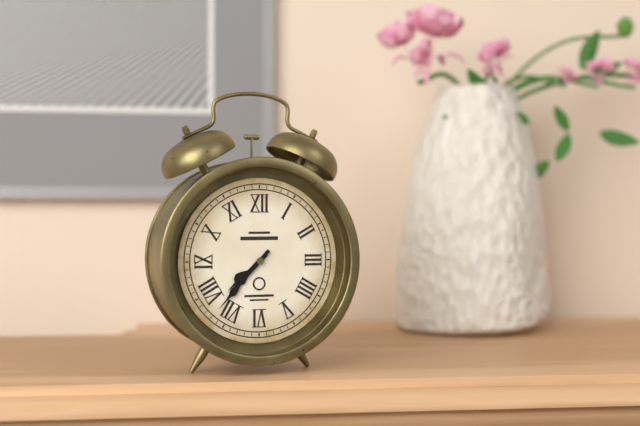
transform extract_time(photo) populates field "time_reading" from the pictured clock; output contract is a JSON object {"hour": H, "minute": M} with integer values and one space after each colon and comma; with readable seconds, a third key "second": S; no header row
{"hour": 7, "minute": 37}
